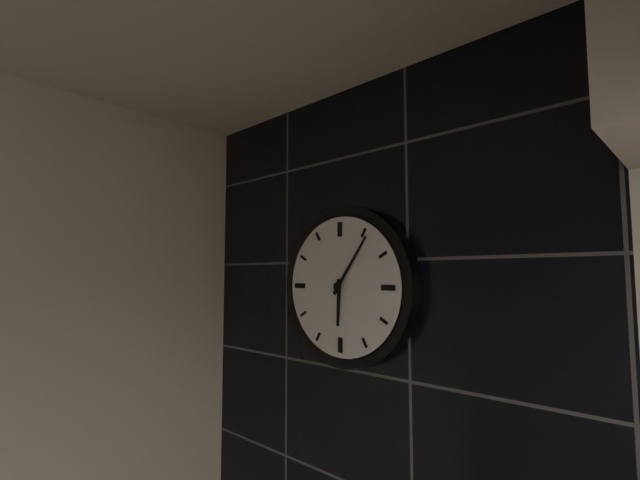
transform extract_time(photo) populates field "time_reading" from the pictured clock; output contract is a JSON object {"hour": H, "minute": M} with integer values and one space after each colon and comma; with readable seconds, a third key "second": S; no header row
{"hour": 6, "minute": 6}
